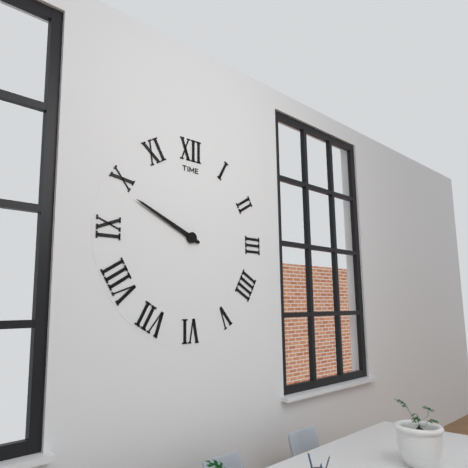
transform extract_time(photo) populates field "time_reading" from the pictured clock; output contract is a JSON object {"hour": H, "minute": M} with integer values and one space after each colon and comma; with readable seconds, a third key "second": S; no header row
{"hour": 9, "minute": 49}
